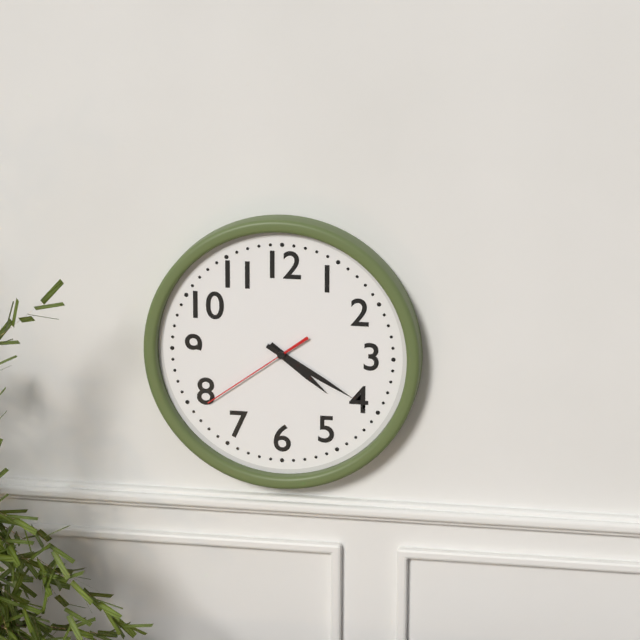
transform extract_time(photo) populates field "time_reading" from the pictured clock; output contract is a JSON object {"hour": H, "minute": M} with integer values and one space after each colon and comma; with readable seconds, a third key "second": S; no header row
{"hour": 4, "minute": 20, "second": 39}
